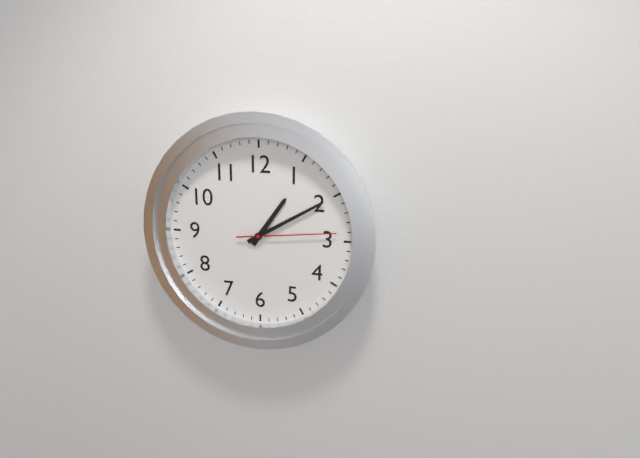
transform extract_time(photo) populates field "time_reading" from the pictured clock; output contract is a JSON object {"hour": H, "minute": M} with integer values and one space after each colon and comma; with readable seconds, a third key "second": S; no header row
{"hour": 1, "minute": 10, "second": 14}
